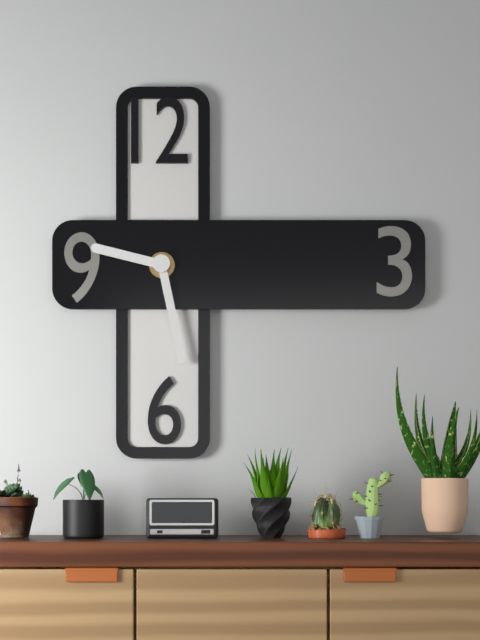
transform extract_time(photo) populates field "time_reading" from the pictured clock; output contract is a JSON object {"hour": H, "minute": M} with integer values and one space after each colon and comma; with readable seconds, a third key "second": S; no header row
{"hour": 9, "minute": 28}
